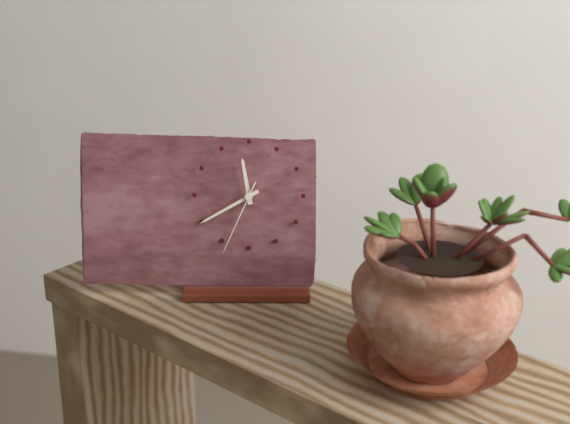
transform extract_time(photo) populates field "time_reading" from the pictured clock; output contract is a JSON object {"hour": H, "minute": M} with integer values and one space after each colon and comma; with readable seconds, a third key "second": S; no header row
{"hour": 11, "minute": 40, "second": 34}
